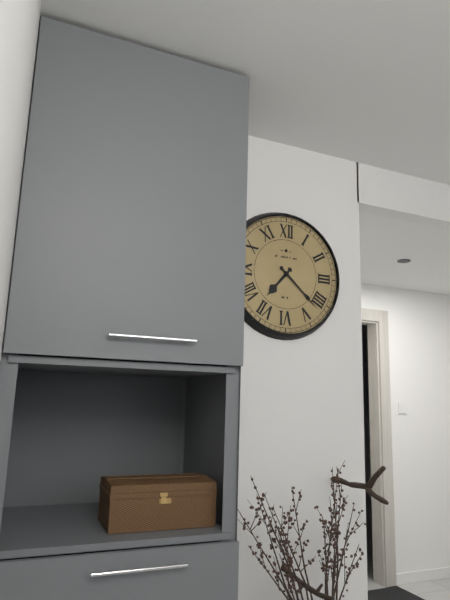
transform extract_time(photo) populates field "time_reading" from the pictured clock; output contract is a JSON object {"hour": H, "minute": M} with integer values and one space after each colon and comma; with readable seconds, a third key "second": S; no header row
{"hour": 7, "minute": 22}
